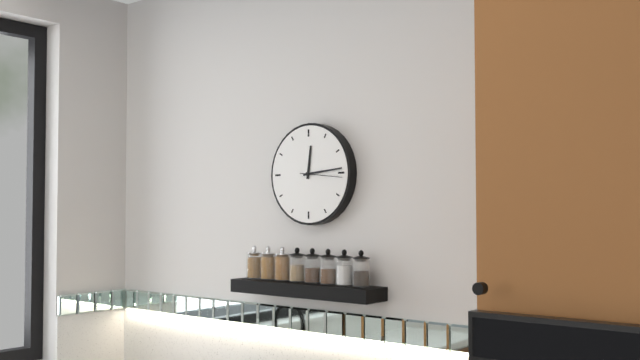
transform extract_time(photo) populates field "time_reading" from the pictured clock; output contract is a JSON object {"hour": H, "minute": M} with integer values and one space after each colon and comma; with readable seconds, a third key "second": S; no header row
{"hour": 12, "minute": 14}
